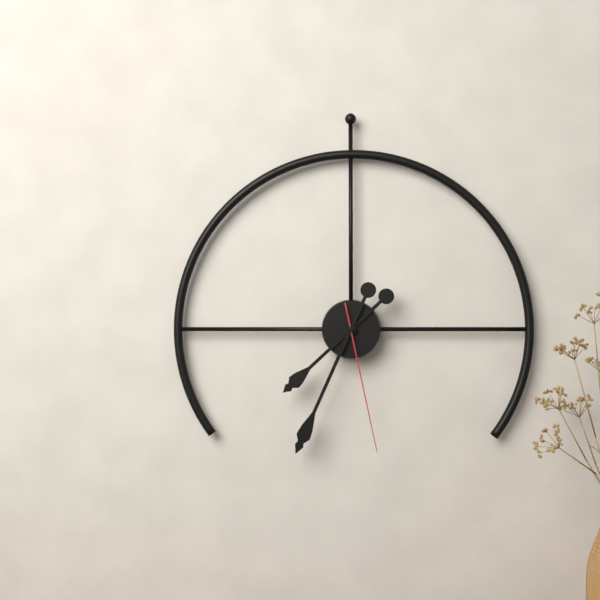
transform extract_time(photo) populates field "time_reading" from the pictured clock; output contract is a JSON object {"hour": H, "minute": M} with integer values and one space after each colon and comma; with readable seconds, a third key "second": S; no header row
{"hour": 7, "minute": 34, "second": 28}
